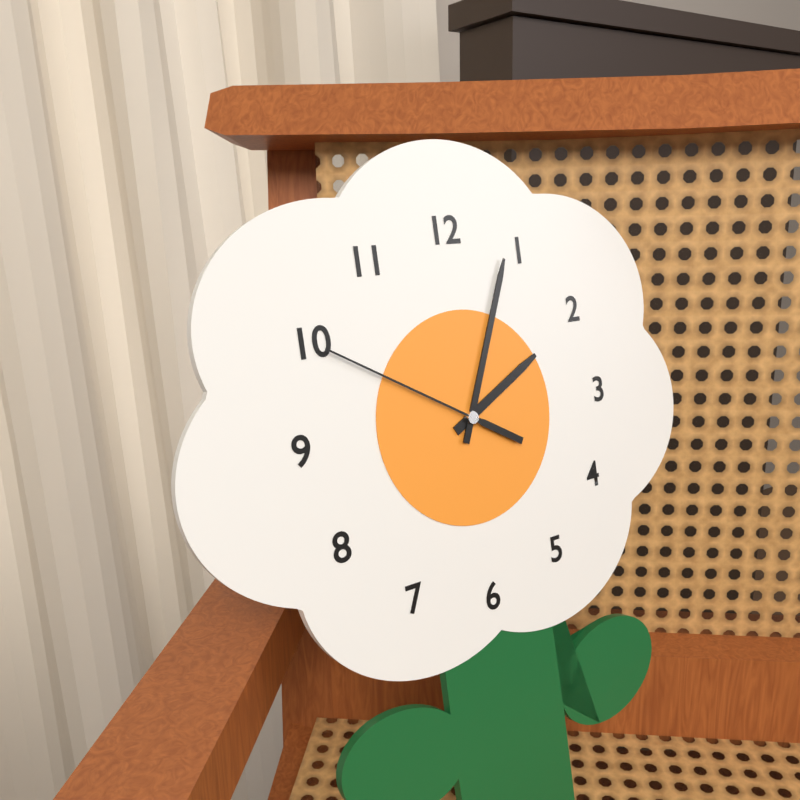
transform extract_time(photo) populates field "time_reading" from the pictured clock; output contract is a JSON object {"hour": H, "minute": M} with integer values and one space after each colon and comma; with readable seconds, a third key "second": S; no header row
{"hour": 2, "minute": 4, "second": 50}
